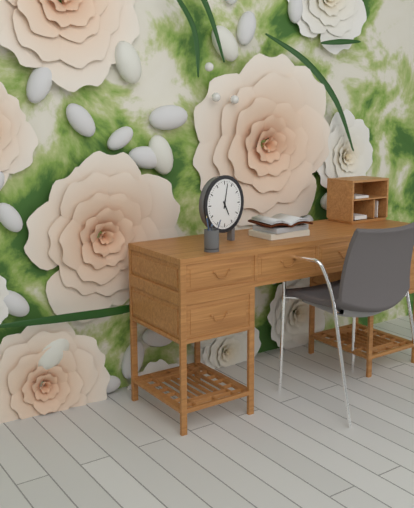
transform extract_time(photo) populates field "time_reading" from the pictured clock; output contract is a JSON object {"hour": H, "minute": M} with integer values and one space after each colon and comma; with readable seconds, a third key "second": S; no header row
{"hour": 5, "minute": 2}
